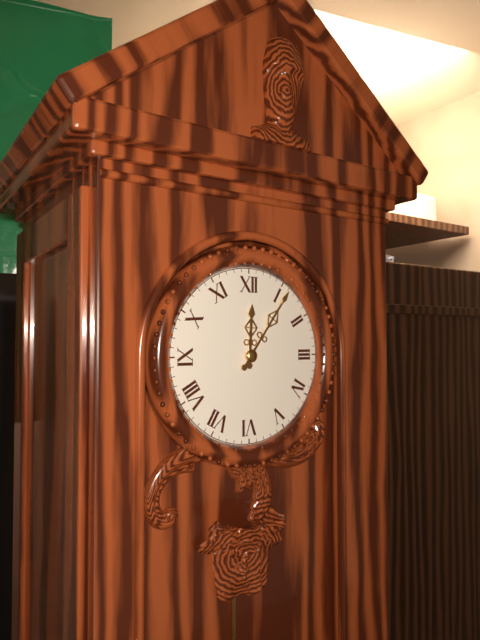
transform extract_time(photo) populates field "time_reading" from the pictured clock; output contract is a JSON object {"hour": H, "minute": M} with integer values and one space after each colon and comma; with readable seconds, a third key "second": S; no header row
{"hour": 12, "minute": 6}
